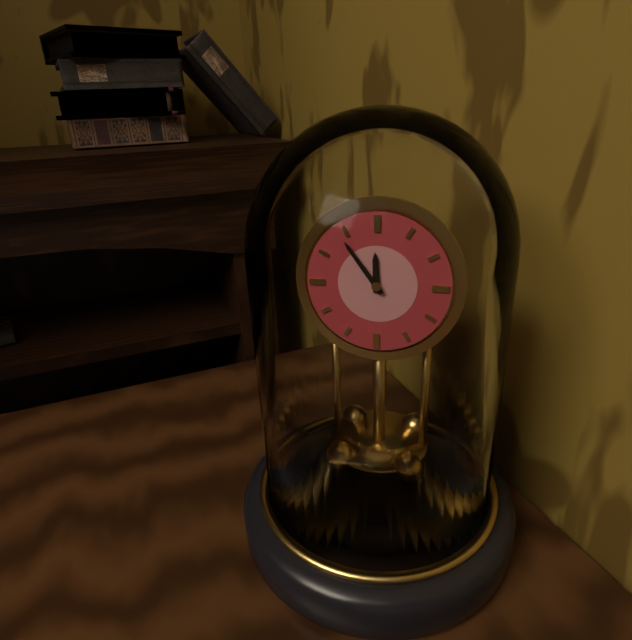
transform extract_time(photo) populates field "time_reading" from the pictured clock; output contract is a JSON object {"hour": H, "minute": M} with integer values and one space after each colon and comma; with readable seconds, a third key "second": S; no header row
{"hour": 11, "minute": 54}
